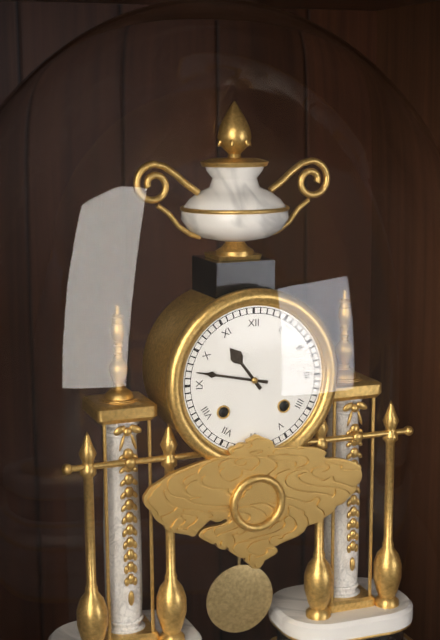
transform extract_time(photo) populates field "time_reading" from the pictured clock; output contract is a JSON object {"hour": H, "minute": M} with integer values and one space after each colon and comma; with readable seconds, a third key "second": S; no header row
{"hour": 10, "minute": 47}
